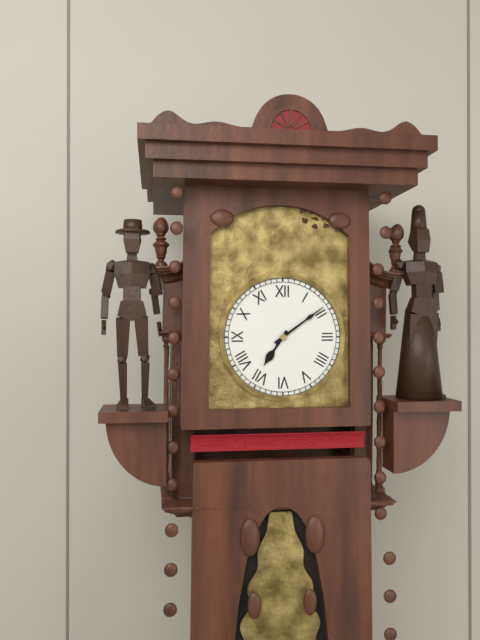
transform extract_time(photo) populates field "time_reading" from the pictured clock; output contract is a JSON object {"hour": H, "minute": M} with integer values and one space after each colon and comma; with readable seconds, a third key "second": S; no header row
{"hour": 7, "minute": 9}
